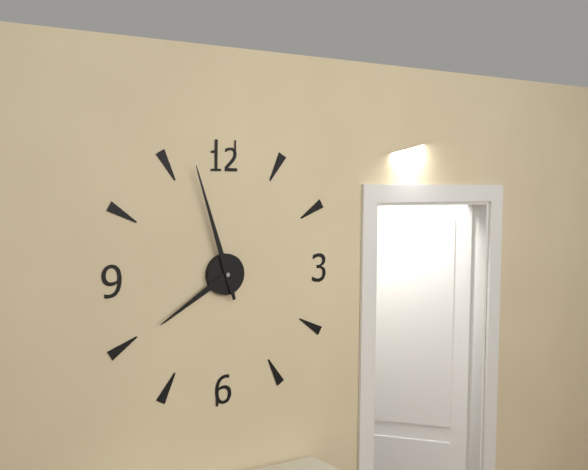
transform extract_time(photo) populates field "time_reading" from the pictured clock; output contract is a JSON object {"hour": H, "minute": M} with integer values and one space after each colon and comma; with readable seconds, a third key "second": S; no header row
{"hour": 7, "minute": 57}
